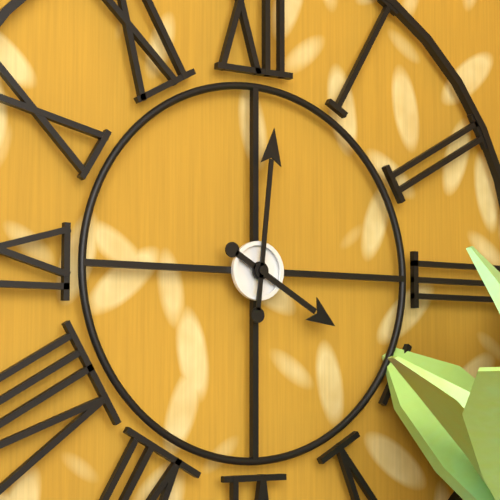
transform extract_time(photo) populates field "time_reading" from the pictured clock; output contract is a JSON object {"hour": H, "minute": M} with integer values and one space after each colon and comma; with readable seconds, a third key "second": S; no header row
{"hour": 4, "minute": 1}
